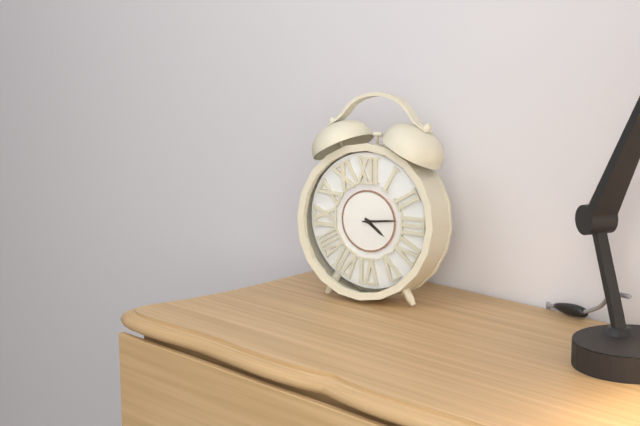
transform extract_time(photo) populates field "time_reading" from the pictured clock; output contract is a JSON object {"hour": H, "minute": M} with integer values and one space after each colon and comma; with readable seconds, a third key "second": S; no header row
{"hour": 4, "minute": 14}
